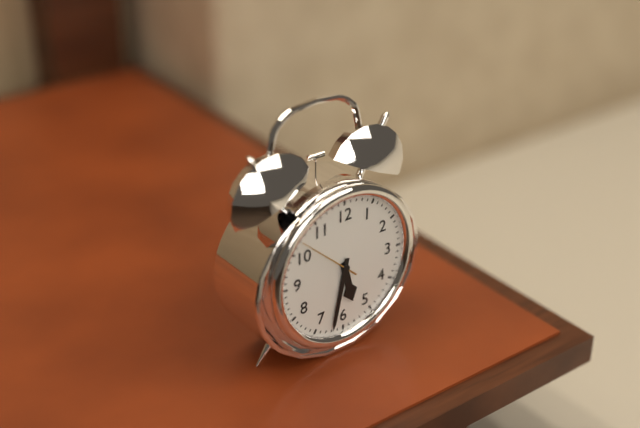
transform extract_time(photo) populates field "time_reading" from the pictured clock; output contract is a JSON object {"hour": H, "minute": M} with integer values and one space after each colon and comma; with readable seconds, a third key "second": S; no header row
{"hour": 5, "minute": 32, "second": 52}
